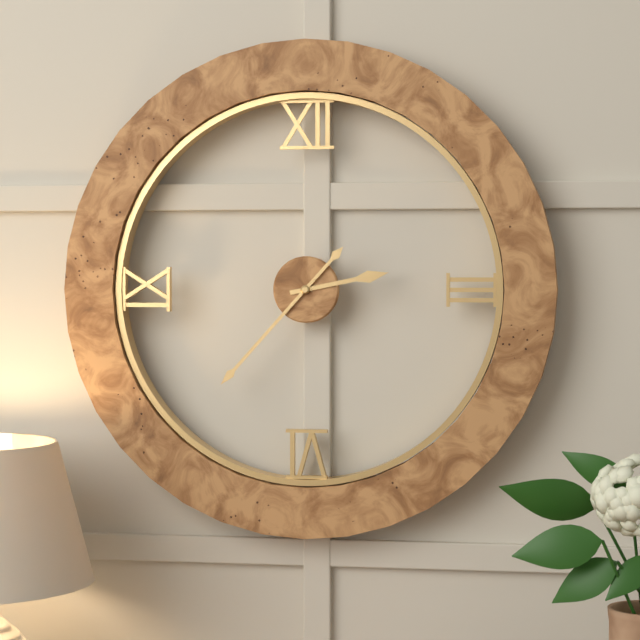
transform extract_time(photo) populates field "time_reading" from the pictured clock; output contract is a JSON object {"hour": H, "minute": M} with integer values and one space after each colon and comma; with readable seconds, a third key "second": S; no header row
{"hour": 2, "minute": 37}
